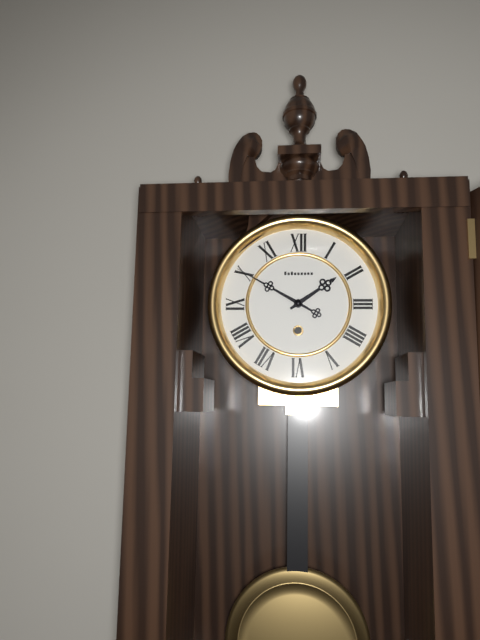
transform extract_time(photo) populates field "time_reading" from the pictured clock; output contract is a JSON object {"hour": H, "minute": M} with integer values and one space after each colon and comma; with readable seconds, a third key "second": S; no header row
{"hour": 1, "minute": 50}
